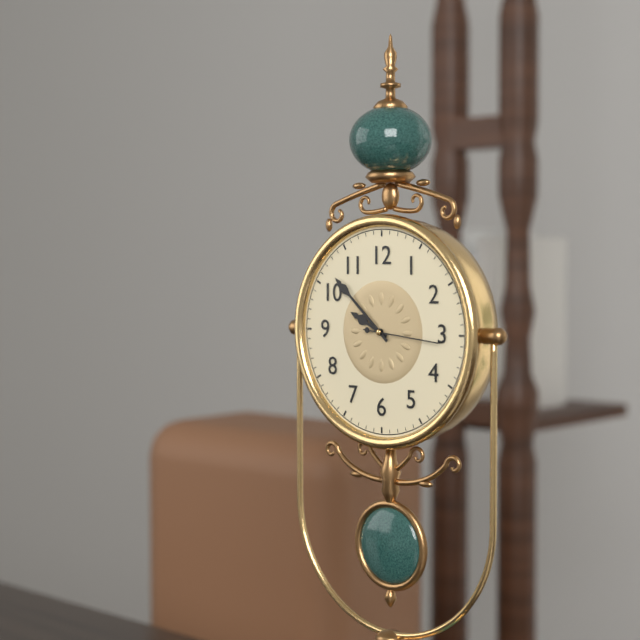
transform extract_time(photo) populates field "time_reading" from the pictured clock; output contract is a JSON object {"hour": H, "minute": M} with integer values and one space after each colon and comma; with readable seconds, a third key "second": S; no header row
{"hour": 9, "minute": 52, "second": 16}
